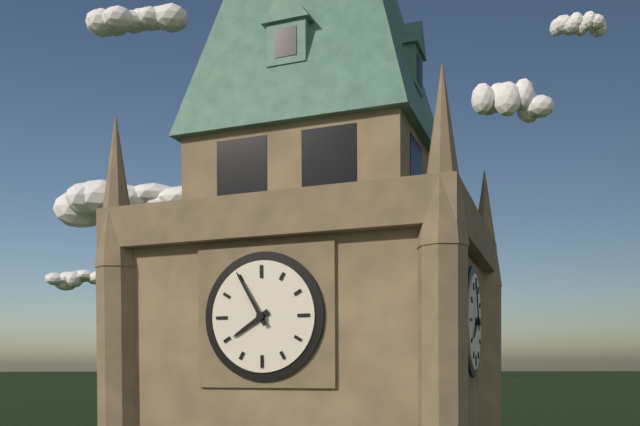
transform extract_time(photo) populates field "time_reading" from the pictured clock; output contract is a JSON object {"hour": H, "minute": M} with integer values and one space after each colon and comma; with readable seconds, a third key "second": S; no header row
{"hour": 7, "minute": 55}
